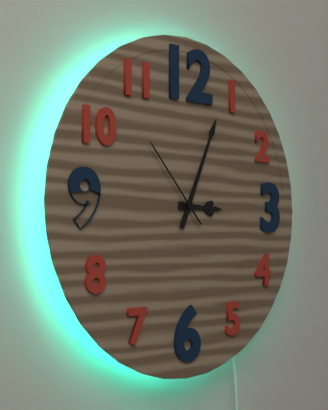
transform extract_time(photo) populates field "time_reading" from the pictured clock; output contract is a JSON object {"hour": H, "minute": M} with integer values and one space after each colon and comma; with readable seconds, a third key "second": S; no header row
{"hour": 3, "minute": 4, "second": 53}
